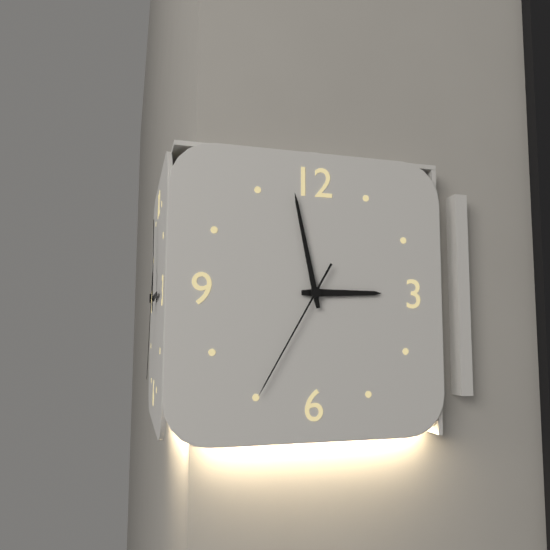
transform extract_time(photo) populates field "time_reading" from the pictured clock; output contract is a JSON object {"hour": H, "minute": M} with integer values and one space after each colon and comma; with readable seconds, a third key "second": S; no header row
{"hour": 2, "minute": 58, "second": 35}
